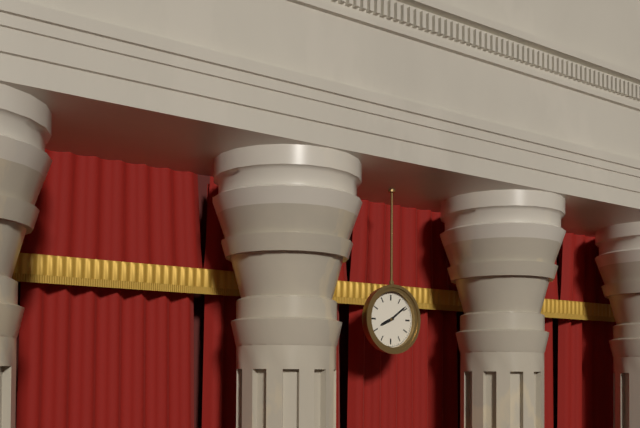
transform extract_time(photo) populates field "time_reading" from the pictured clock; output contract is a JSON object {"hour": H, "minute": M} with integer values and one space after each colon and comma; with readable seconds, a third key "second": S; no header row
{"hour": 8, "minute": 9}
